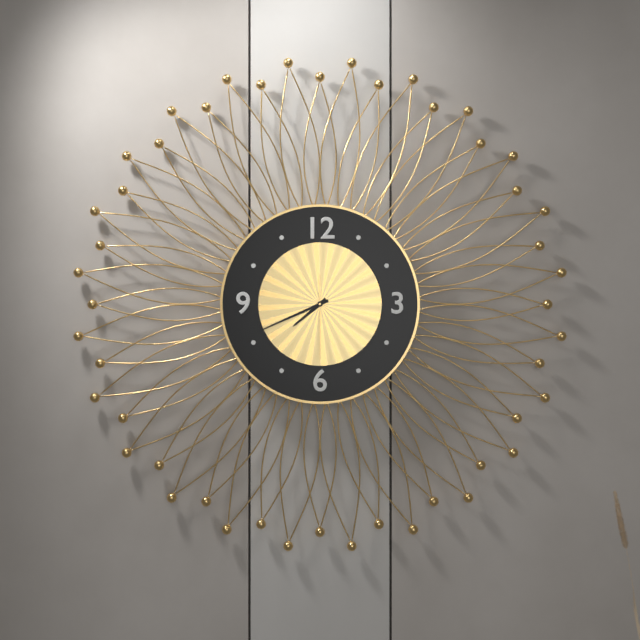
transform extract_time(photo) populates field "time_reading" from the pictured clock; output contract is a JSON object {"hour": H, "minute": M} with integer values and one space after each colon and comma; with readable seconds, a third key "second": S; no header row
{"hour": 7, "minute": 41, "second": 30}
